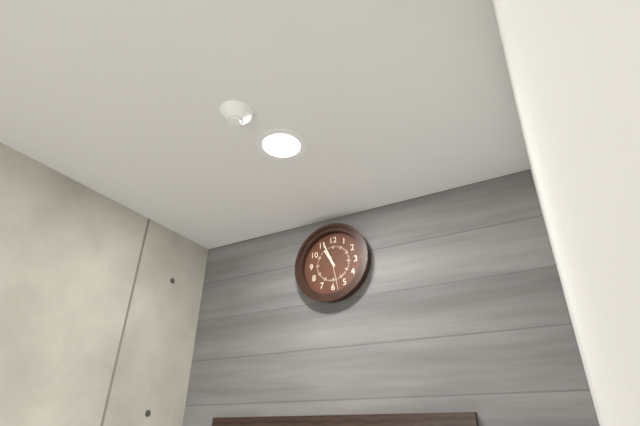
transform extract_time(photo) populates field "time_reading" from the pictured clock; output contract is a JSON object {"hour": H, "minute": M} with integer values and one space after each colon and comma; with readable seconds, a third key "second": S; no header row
{"hour": 10, "minute": 56}
